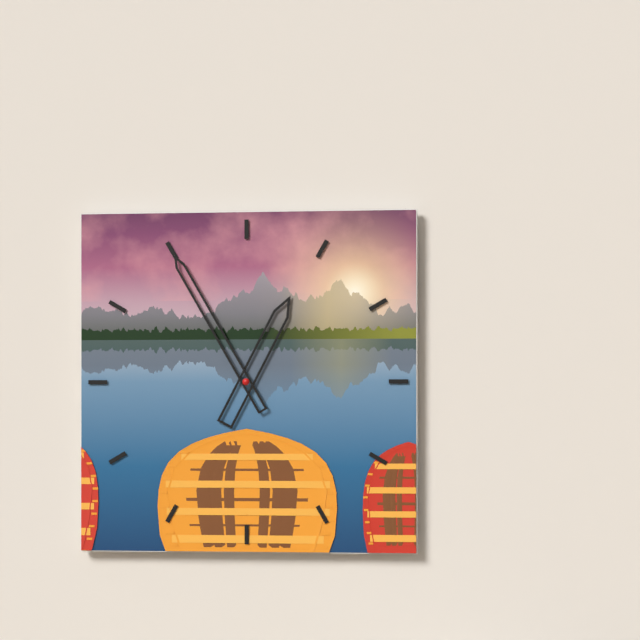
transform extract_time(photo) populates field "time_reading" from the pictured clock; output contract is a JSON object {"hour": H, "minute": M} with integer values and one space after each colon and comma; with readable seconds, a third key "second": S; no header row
{"hour": 12, "minute": 55}
